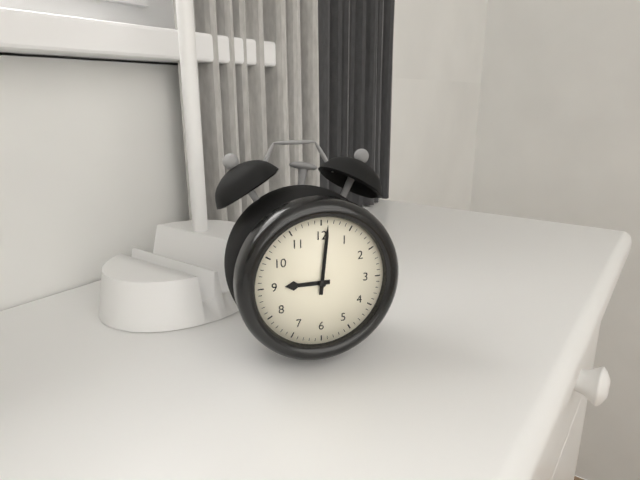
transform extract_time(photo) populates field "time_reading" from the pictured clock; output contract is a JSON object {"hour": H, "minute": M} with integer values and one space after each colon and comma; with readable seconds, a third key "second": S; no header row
{"hour": 9, "minute": 1}
